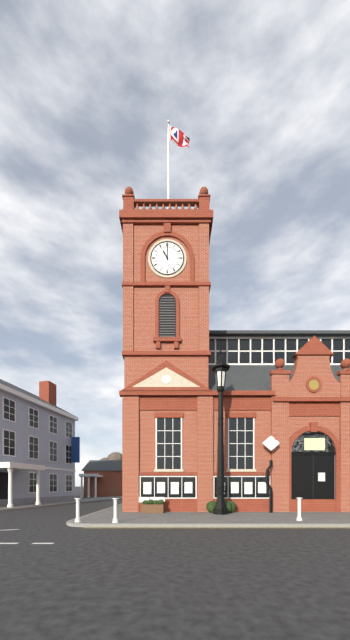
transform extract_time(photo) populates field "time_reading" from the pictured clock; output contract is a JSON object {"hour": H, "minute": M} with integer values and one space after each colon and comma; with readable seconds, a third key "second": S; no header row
{"hour": 11, "minute": 0}
